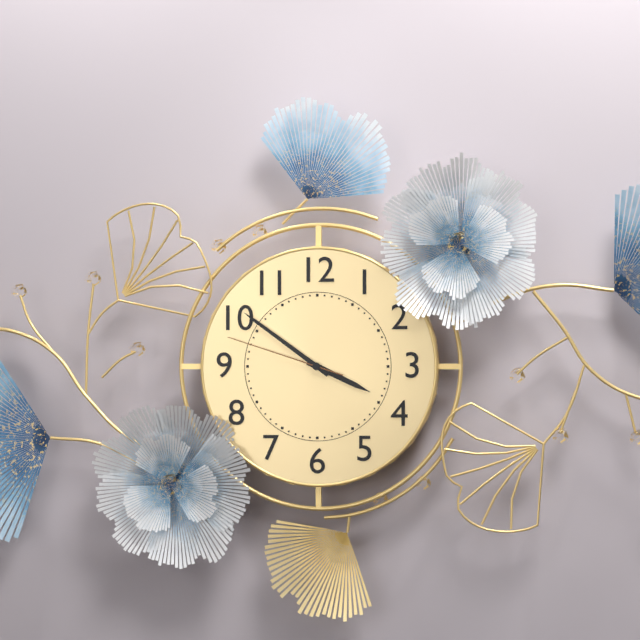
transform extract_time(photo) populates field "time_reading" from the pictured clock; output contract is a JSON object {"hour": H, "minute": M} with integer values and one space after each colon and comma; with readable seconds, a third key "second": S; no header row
{"hour": 3, "minute": 51, "second": 48}
